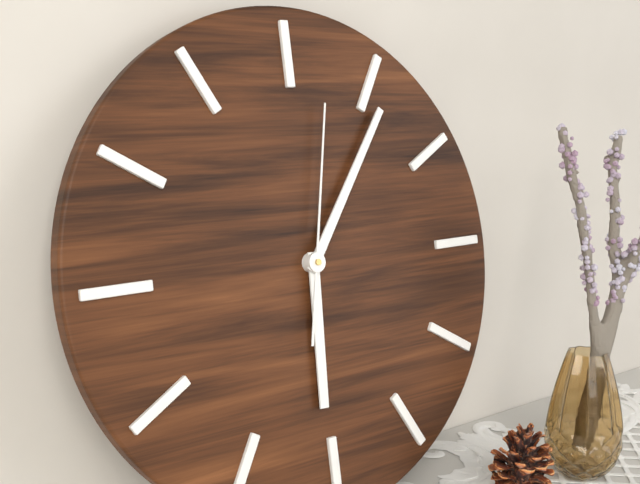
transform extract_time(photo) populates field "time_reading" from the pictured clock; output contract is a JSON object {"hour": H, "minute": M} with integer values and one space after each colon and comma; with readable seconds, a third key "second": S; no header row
{"hour": 6, "minute": 6, "second": 2}
